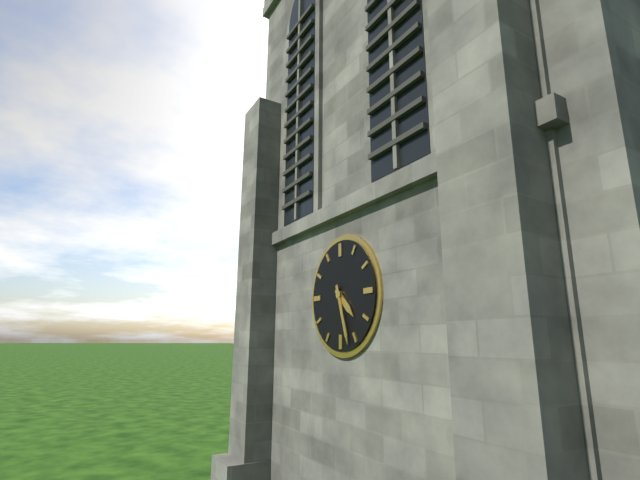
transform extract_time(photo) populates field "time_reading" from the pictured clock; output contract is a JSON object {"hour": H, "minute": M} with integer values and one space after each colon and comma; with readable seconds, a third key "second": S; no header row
{"hour": 4, "minute": 27}
